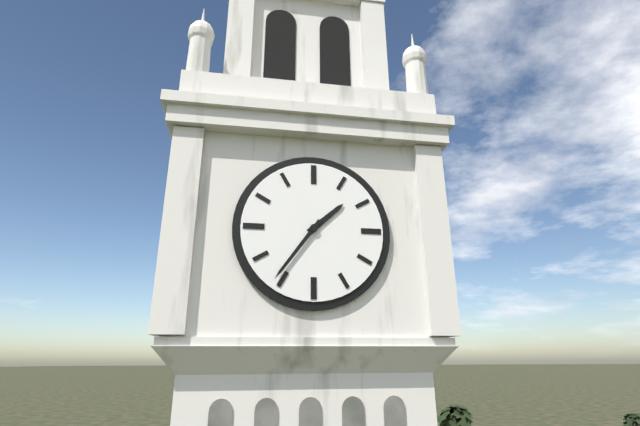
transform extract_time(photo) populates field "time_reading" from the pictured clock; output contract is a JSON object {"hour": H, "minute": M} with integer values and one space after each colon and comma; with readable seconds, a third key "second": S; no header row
{"hour": 1, "minute": 36}
